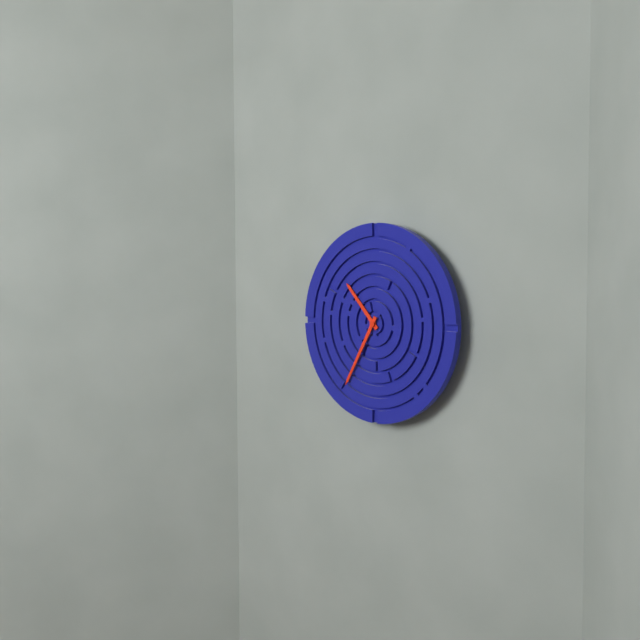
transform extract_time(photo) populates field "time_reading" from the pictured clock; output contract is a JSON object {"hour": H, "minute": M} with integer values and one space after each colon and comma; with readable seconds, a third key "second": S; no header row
{"hour": 10, "minute": 35}
